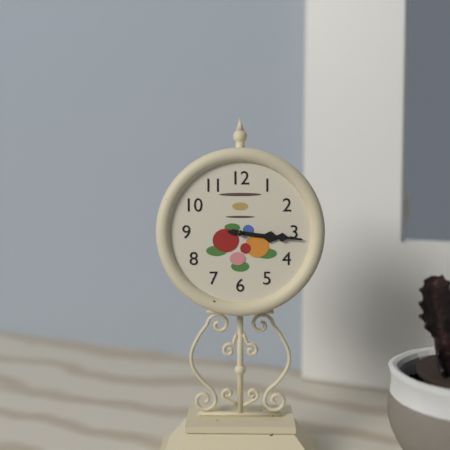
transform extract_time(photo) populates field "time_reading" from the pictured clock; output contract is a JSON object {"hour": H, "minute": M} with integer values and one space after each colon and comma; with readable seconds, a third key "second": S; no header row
{"hour": 3, "minute": 16}
